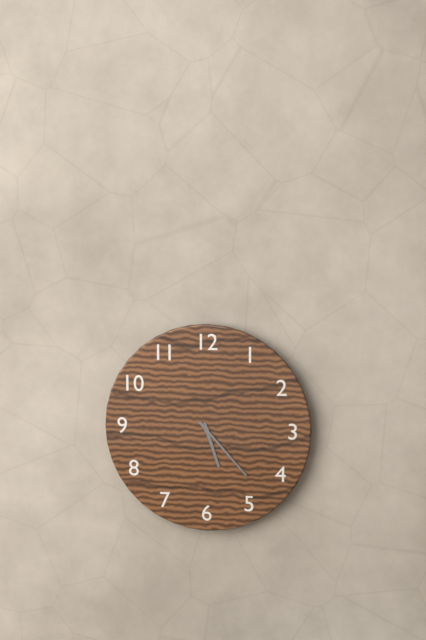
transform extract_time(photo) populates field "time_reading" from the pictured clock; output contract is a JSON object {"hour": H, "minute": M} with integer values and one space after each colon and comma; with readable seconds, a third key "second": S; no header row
{"hour": 5, "minute": 23}
